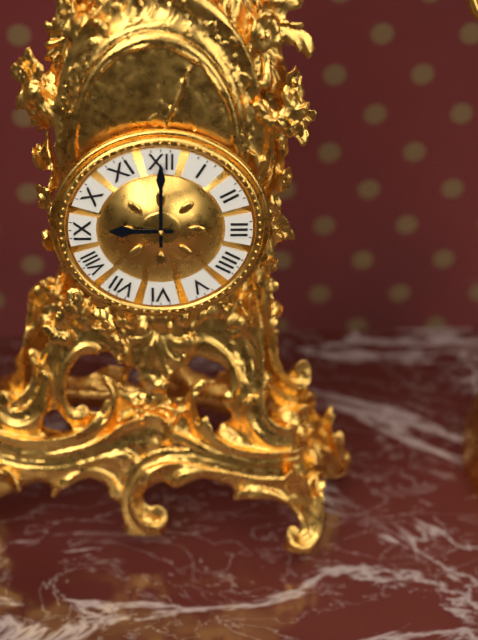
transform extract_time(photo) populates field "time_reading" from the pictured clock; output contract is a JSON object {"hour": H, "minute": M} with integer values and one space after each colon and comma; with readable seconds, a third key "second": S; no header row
{"hour": 9, "minute": 0}
